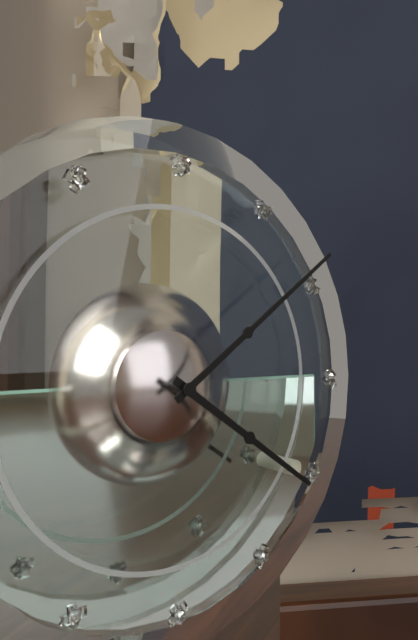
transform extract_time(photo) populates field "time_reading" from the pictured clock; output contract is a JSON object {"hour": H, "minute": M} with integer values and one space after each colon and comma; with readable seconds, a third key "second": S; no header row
{"hour": 4, "minute": 9}
